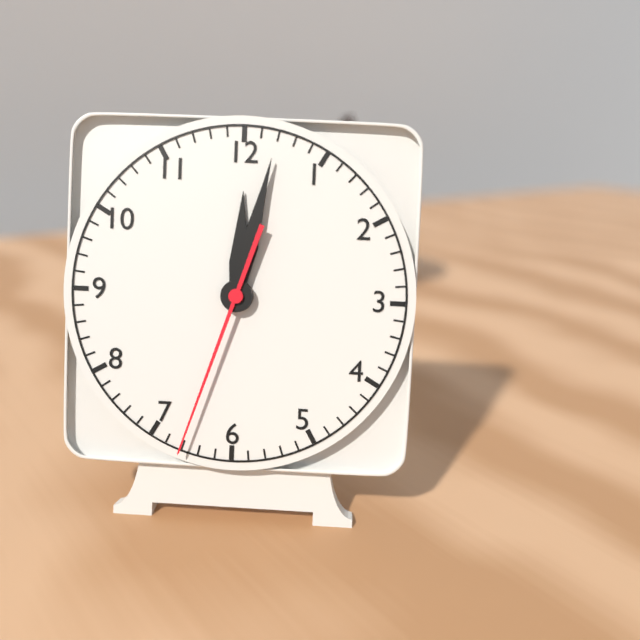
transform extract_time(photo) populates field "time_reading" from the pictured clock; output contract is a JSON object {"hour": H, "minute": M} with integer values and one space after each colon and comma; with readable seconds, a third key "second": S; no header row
{"hour": 12, "minute": 2, "second": 33}
